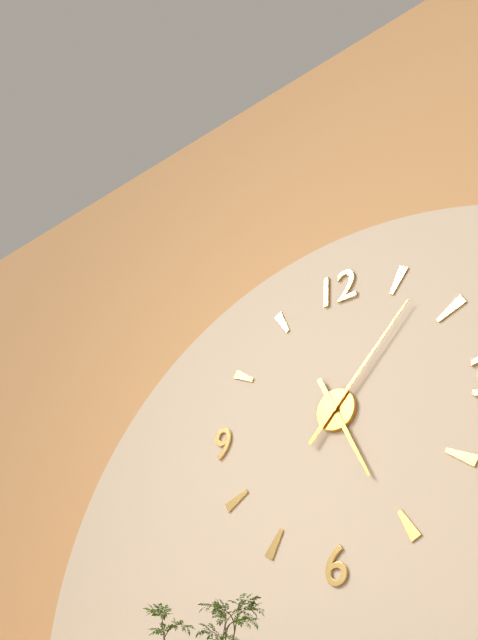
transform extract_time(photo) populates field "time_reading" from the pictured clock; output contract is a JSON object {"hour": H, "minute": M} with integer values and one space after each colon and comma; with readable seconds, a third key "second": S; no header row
{"hour": 5, "minute": 7}
